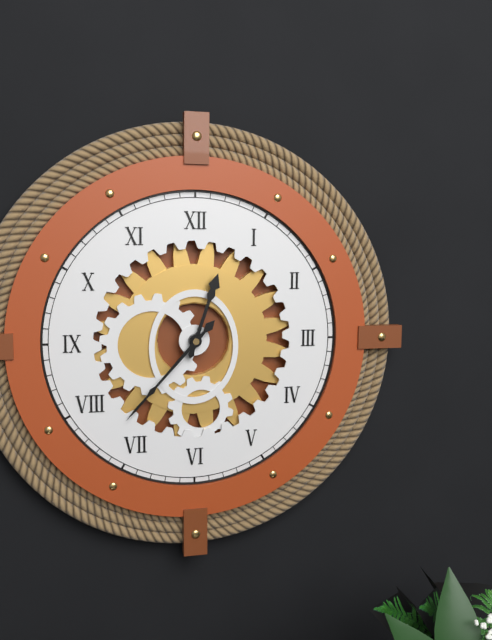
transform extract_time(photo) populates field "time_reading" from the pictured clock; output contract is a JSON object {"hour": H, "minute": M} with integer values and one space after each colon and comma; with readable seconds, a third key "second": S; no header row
{"hour": 12, "minute": 37}
